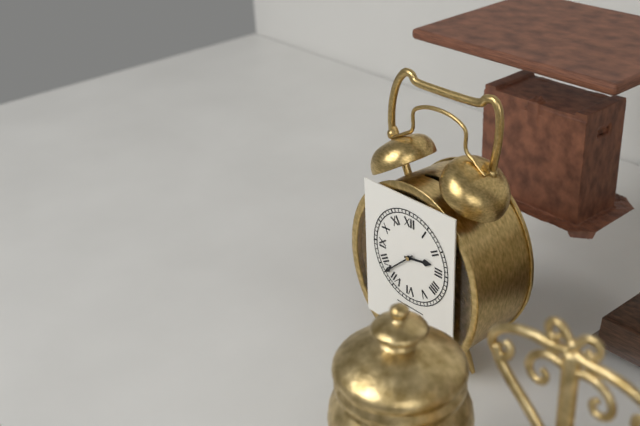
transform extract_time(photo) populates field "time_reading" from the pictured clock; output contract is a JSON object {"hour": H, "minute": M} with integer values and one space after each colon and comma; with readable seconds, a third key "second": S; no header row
{"hour": 2, "minute": 38}
